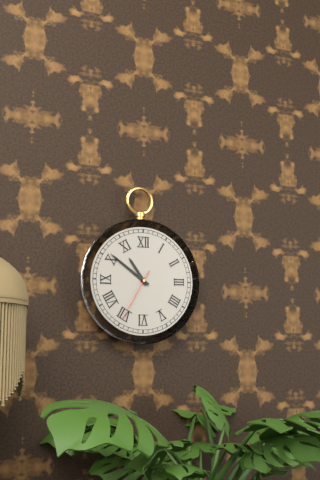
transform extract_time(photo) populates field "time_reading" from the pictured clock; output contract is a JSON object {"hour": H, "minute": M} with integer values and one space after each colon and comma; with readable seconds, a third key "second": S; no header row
{"hour": 10, "minute": 51, "second": 35}
